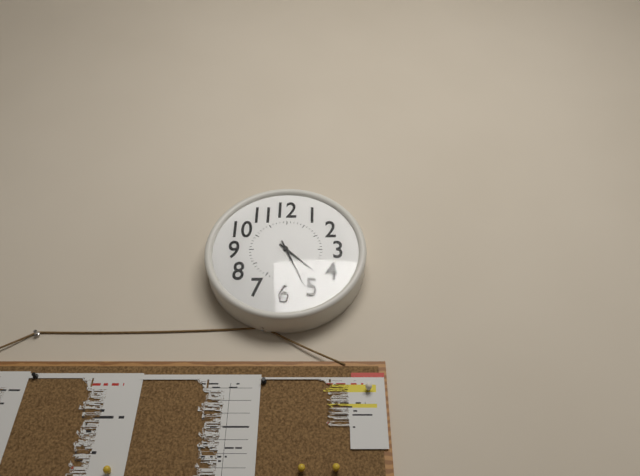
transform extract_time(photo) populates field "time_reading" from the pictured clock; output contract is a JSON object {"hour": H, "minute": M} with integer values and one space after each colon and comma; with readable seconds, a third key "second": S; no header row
{"hour": 4, "minute": 26}
